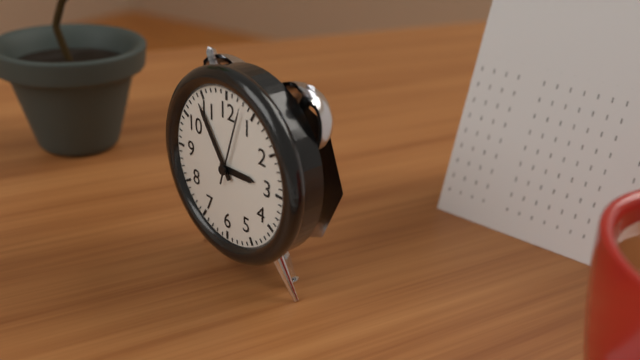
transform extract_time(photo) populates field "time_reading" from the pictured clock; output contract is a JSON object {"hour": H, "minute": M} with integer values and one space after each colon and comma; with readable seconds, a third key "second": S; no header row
{"hour": 2, "minute": 54, "second": 3}
